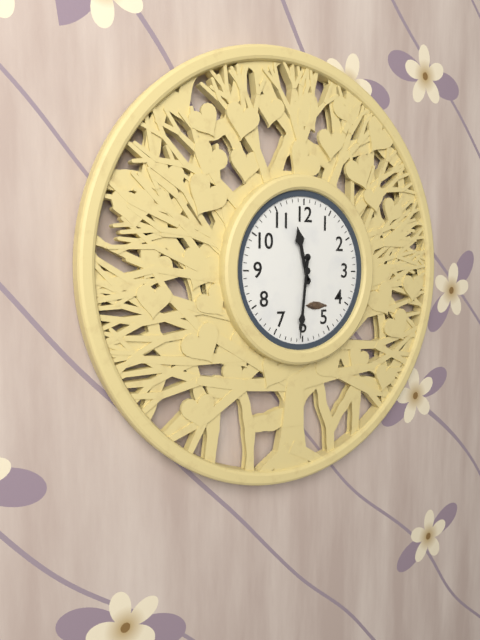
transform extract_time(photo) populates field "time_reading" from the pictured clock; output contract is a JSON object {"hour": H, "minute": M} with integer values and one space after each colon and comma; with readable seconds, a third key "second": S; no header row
{"hour": 11, "minute": 31}
